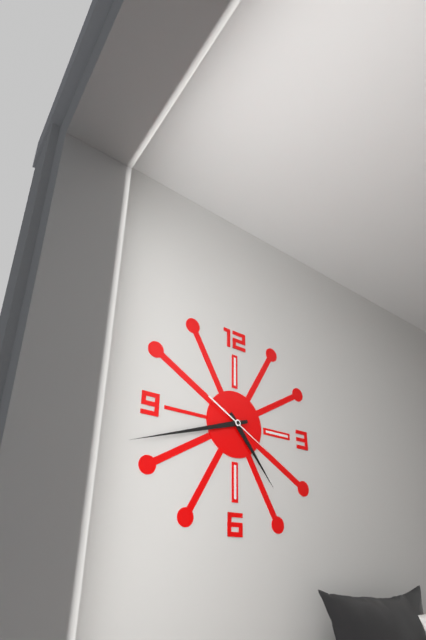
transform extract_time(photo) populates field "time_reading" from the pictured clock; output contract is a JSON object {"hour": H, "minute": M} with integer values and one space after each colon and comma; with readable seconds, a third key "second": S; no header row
{"hour": 4, "minute": 42, "second": 20}
